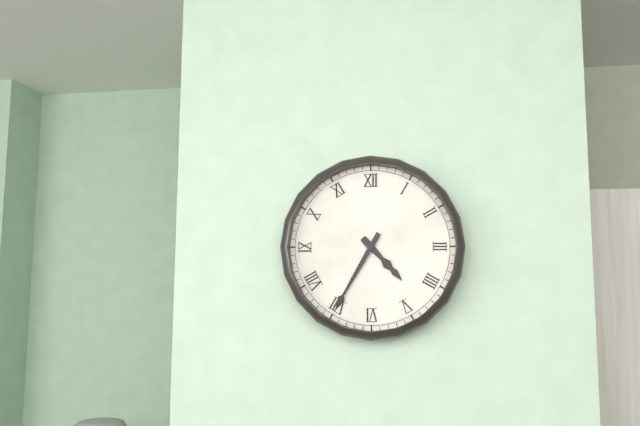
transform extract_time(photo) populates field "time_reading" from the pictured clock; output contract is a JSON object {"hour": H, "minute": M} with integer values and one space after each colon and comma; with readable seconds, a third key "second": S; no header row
{"hour": 4, "minute": 35}
